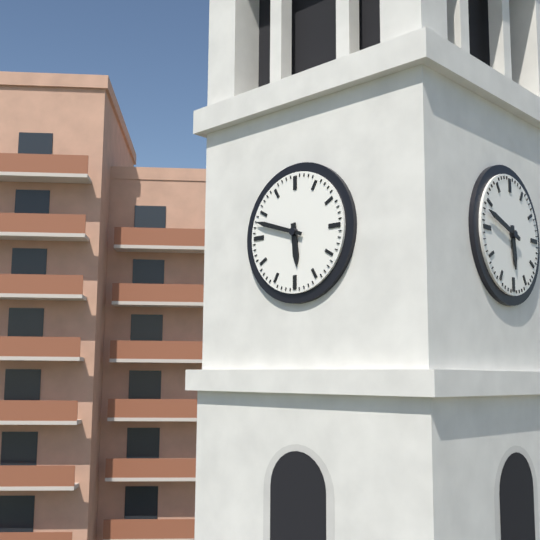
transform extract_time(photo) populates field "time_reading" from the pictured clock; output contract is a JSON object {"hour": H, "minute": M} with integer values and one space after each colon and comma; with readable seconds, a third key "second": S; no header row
{"hour": 5, "minute": 48}
